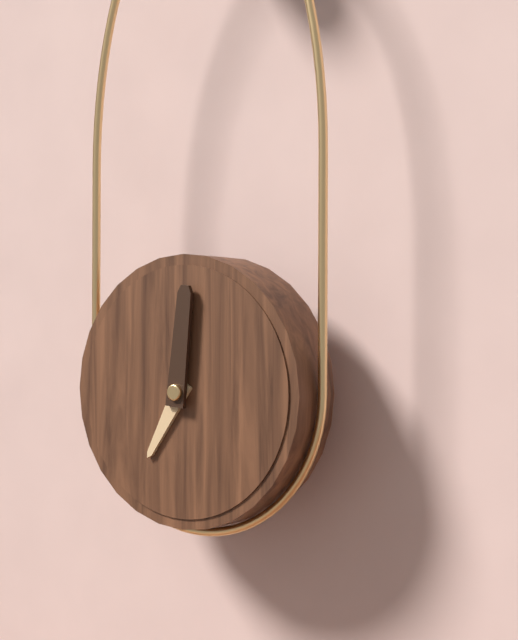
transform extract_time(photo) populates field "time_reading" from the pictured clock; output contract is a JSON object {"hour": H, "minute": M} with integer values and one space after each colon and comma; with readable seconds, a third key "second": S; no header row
{"hour": 7, "minute": 1}
